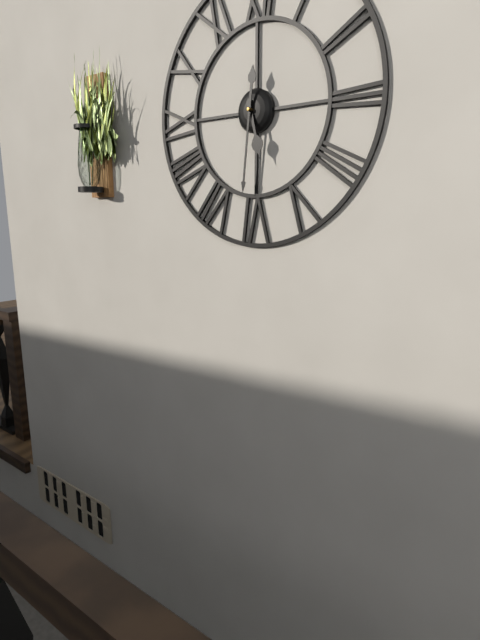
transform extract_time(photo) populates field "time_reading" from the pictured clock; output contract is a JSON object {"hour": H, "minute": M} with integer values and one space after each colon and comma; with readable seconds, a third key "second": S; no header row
{"hour": 5, "minute": 31}
